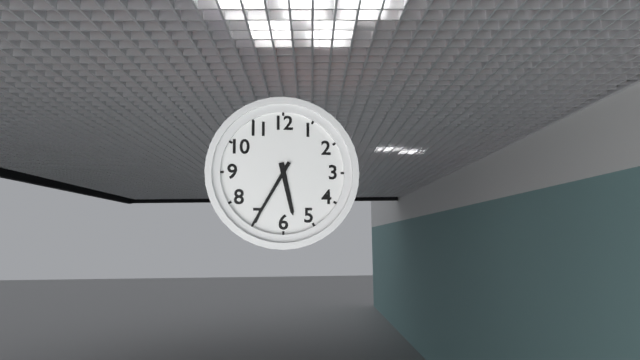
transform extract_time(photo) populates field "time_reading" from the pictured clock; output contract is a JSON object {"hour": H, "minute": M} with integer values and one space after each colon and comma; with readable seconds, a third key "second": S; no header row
{"hour": 5, "minute": 35}
